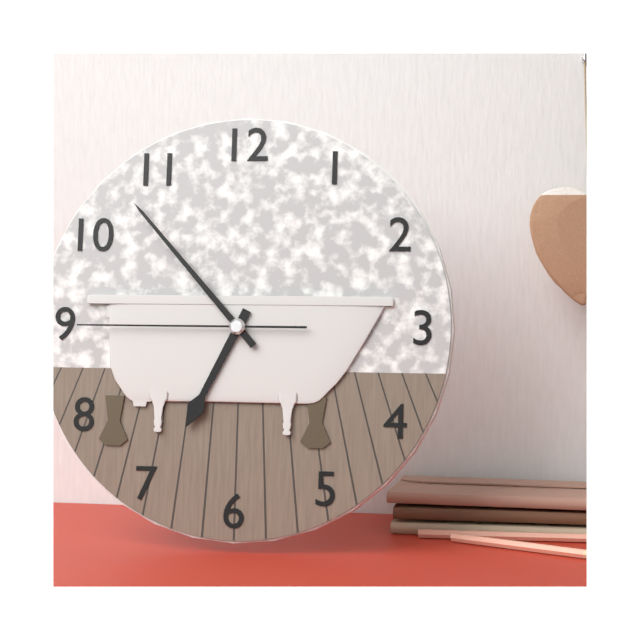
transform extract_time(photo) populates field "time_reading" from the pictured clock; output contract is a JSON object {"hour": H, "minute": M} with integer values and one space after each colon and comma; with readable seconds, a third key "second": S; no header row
{"hour": 6, "minute": 53, "second": 45}
